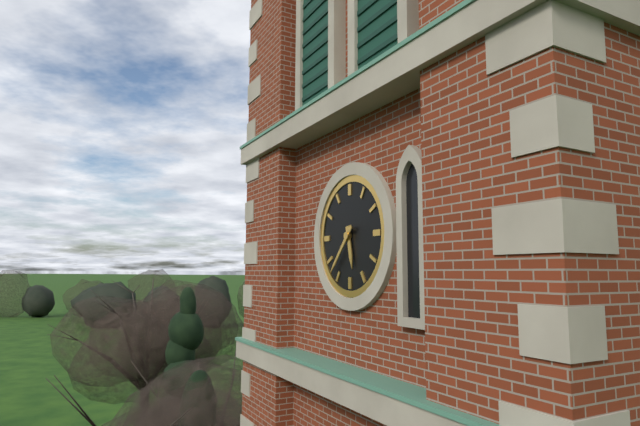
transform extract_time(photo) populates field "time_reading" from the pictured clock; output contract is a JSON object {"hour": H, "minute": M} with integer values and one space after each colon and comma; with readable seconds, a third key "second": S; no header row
{"hour": 5, "minute": 37}
